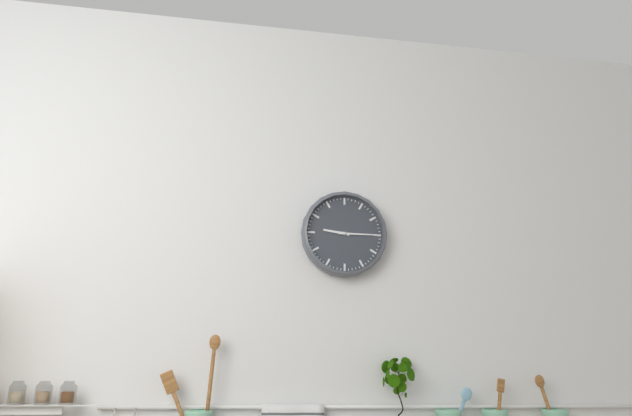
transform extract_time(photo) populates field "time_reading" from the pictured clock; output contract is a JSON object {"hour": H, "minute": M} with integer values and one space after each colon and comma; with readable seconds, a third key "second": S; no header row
{"hour": 9, "minute": 15}
